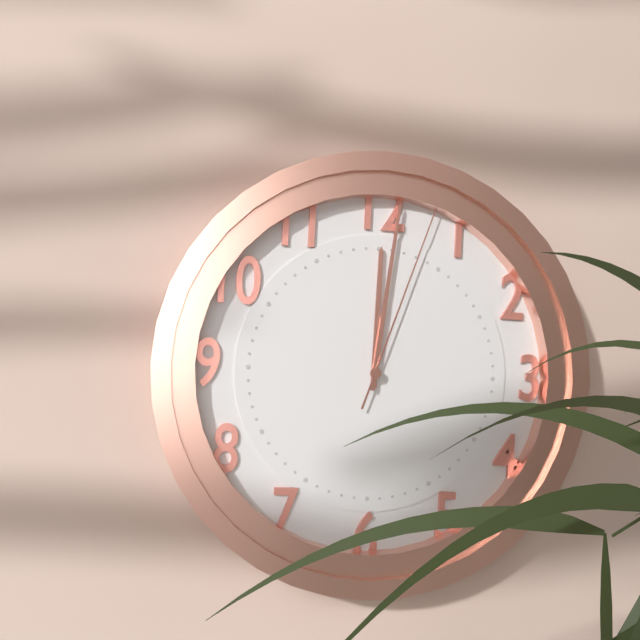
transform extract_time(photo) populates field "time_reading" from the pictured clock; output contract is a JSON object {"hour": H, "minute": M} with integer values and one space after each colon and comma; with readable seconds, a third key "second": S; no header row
{"hour": 12, "minute": 1, "second": 3}
